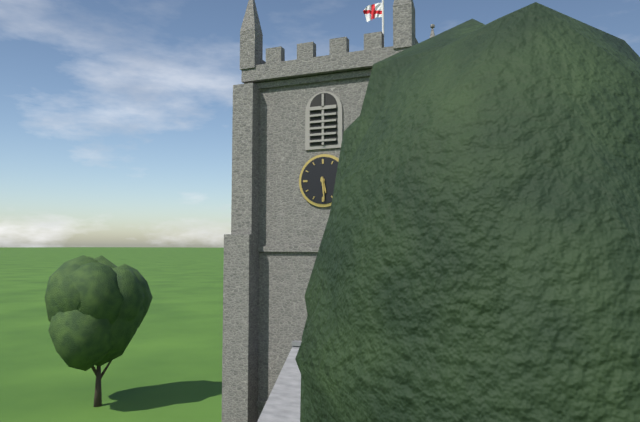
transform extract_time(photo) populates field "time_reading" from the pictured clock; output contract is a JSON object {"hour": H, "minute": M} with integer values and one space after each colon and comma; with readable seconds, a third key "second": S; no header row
{"hour": 5, "minute": 29}
